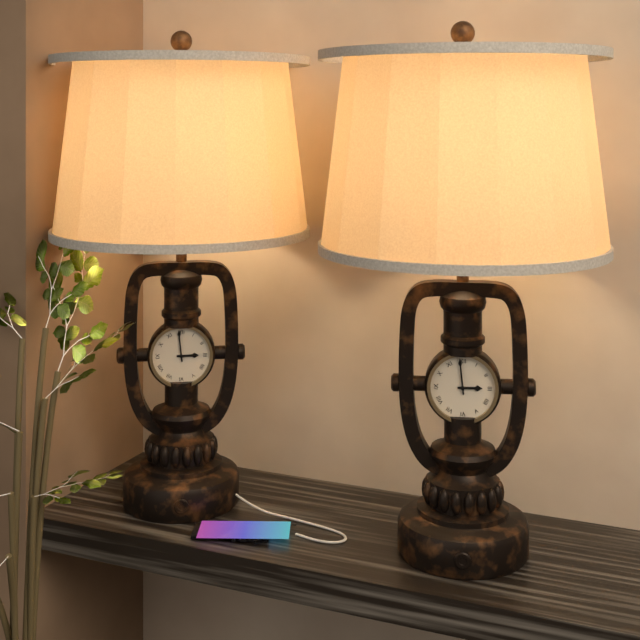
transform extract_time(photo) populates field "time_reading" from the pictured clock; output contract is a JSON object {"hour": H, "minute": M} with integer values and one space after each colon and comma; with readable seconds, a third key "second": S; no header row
{"hour": 2, "minute": 59}
